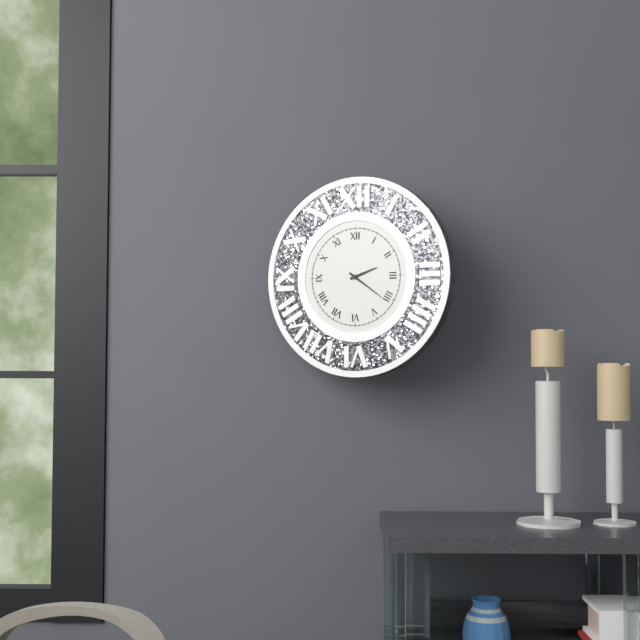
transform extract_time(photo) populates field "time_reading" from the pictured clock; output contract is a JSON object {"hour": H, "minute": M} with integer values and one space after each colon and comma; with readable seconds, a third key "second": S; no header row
{"hour": 2, "minute": 21}
